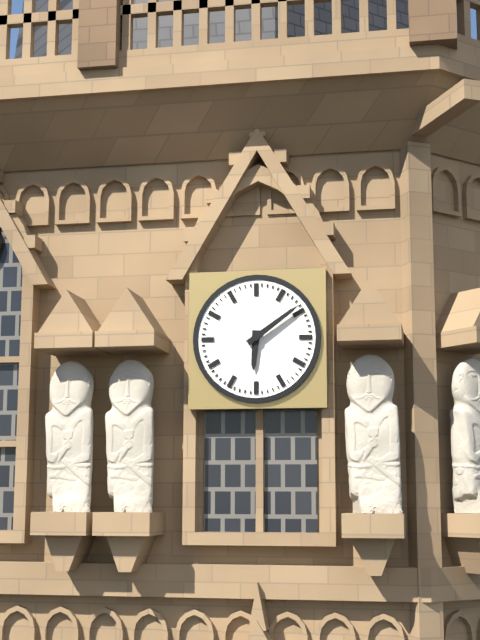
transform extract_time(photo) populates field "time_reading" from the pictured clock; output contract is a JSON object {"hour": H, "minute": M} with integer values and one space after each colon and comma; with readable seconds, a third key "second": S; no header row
{"hour": 6, "minute": 9}
